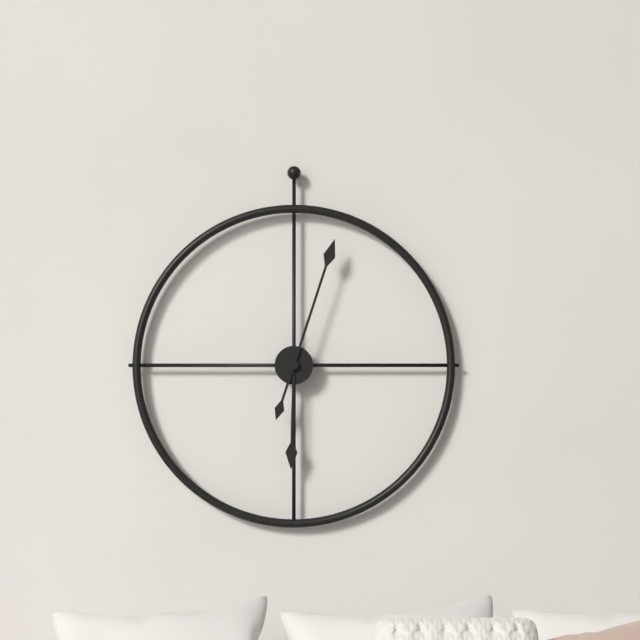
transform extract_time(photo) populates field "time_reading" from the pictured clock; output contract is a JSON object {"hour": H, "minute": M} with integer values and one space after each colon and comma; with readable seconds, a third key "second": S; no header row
{"hour": 6, "minute": 3}
